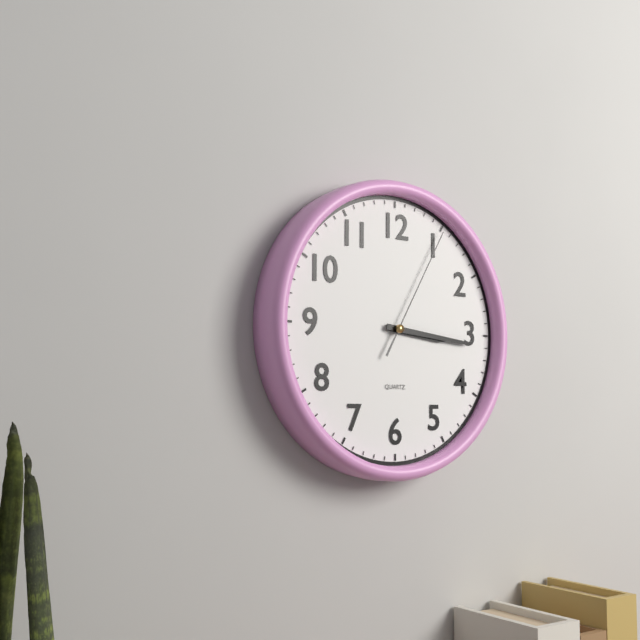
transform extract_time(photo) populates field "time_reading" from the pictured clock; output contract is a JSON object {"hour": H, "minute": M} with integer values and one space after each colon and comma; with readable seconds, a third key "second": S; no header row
{"hour": 3, "minute": 16, "second": 5}
